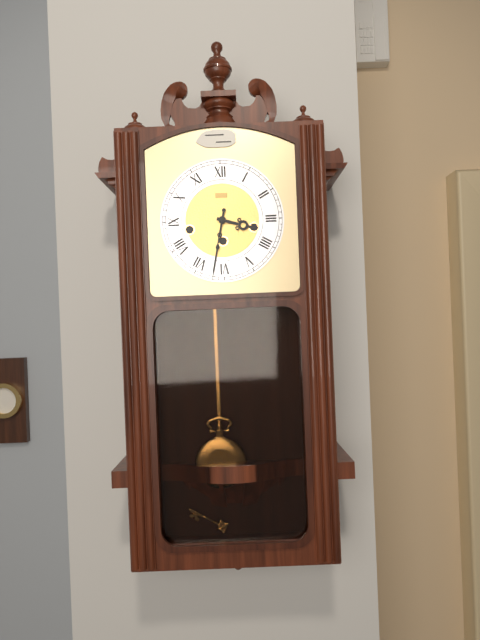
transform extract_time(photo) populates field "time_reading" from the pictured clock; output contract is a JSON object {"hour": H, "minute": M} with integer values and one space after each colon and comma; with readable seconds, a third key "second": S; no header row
{"hour": 3, "minute": 32}
